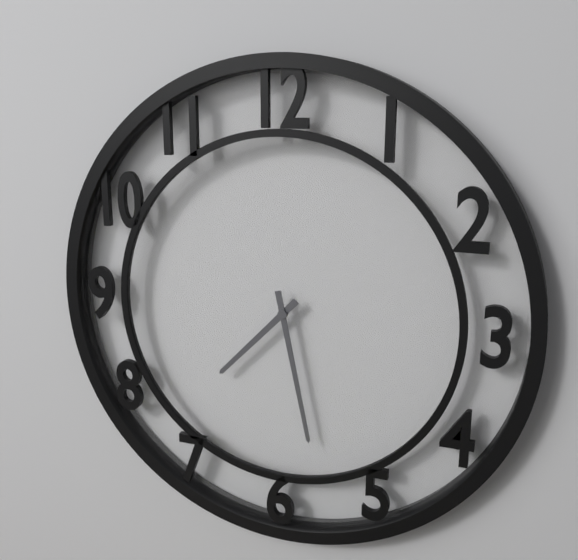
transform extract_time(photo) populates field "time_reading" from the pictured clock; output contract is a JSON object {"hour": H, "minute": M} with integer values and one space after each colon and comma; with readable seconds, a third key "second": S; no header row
{"hour": 7, "minute": 28}
